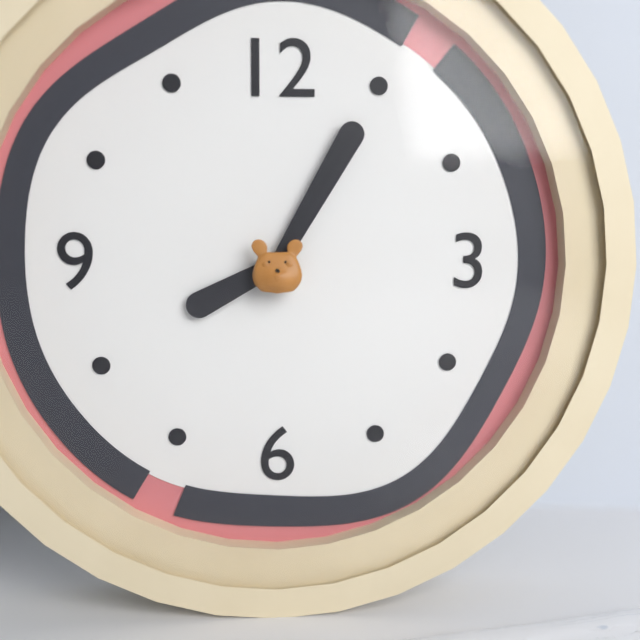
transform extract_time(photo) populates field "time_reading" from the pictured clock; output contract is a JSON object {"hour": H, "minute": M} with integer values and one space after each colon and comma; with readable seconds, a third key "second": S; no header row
{"hour": 8, "minute": 5}
